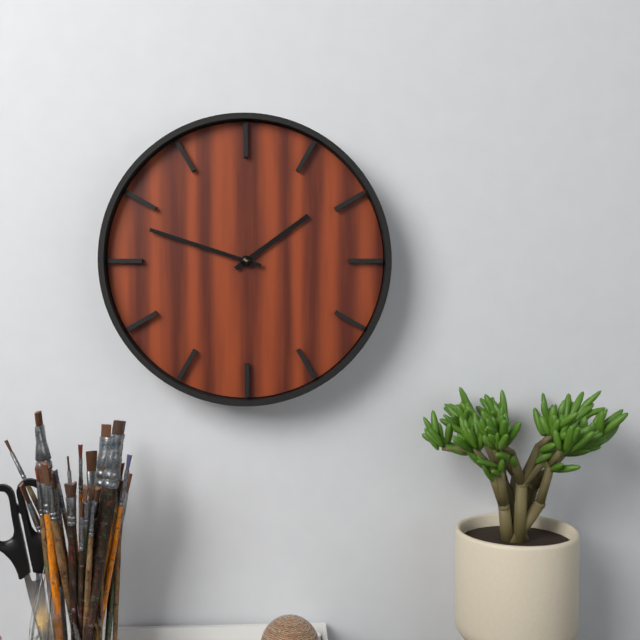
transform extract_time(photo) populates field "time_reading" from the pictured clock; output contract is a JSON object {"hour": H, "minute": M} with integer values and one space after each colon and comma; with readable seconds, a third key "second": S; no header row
{"hour": 1, "minute": 48}
